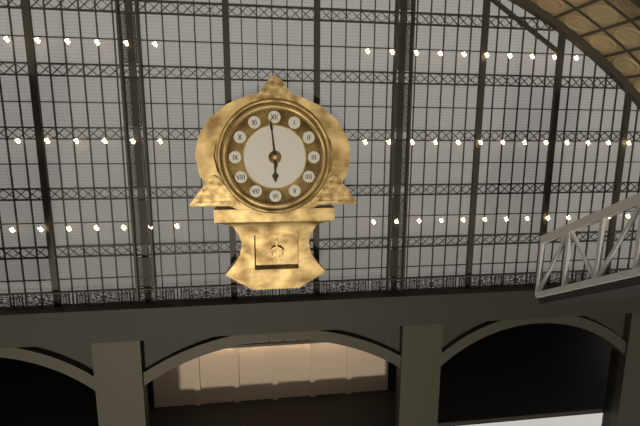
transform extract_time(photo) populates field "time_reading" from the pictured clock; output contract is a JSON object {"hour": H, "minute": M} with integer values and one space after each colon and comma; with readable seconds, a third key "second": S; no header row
{"hour": 5, "minute": 59}
